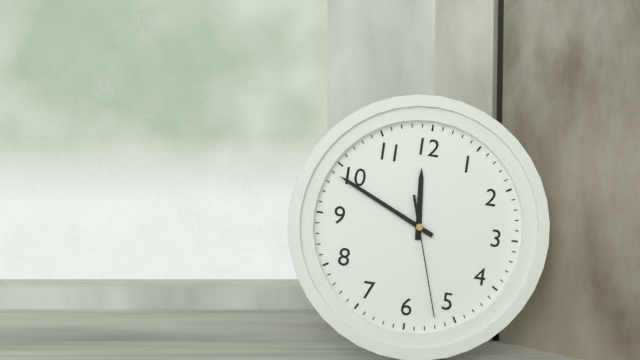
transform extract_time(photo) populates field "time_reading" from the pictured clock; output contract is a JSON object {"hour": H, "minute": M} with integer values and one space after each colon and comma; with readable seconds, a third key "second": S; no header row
{"hour": 11, "minute": 49, "second": 27}
